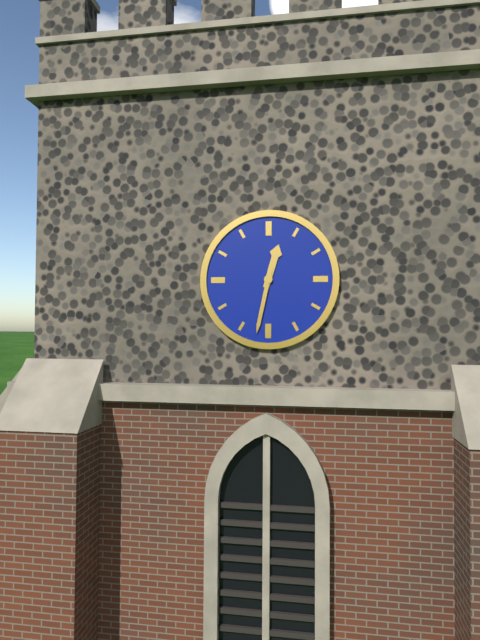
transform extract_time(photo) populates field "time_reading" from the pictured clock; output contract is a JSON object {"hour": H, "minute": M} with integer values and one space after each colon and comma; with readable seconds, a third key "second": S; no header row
{"hour": 12, "minute": 32}
